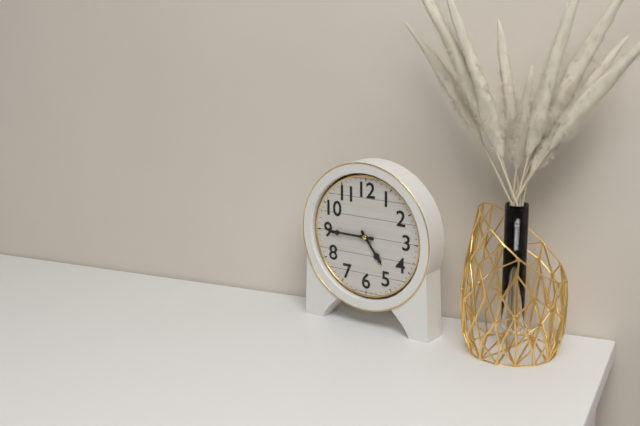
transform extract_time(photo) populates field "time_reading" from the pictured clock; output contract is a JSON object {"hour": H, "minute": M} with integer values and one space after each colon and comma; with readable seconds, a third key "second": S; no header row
{"hour": 4, "minute": 45}
